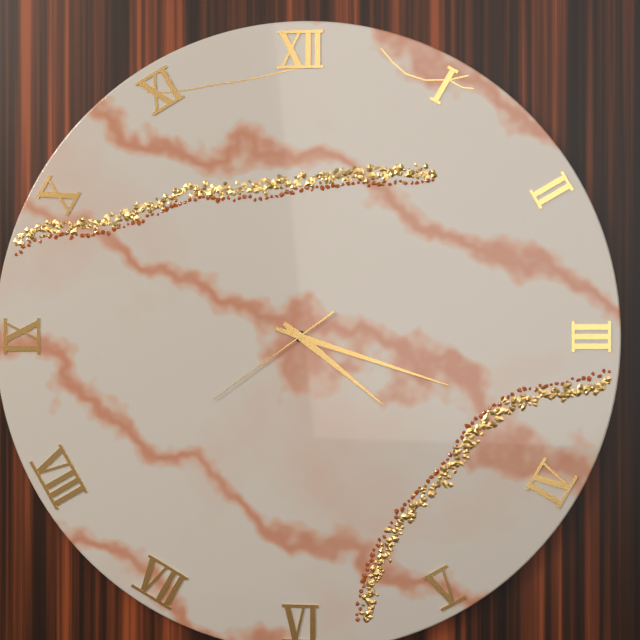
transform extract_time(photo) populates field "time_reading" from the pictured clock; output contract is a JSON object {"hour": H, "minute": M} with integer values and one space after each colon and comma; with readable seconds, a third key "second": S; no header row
{"hour": 4, "minute": 18, "second": 39}
